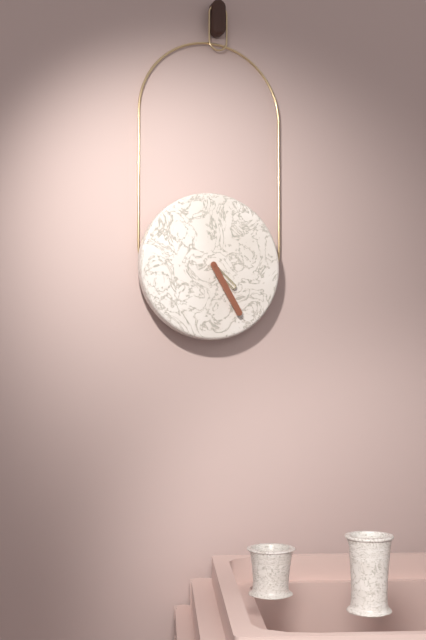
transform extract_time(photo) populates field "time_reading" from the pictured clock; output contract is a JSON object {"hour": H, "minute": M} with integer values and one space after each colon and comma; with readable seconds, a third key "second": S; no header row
{"hour": 4, "minute": 25}
